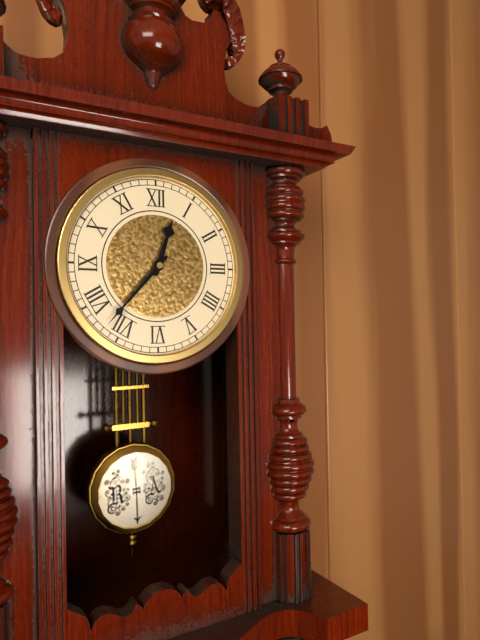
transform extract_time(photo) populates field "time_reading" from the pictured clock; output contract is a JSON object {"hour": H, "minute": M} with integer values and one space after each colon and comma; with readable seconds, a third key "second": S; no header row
{"hour": 12, "minute": 37}
